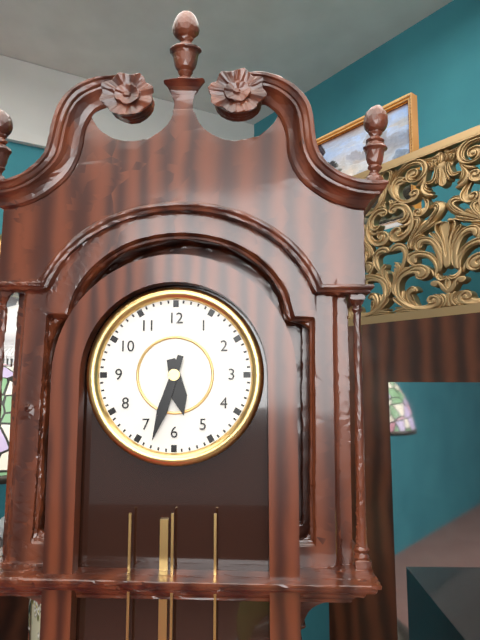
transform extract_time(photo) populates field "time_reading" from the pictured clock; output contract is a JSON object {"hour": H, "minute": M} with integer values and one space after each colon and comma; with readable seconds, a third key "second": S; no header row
{"hour": 5, "minute": 33}
